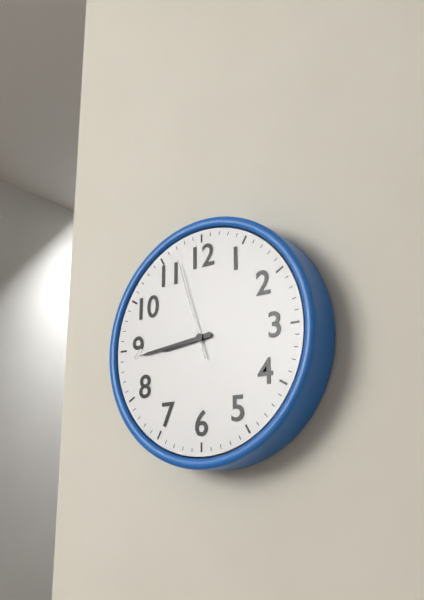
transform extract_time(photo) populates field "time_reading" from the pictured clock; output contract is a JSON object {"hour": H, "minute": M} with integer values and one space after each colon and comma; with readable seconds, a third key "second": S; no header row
{"hour": 8, "minute": 44, "second": 57}
